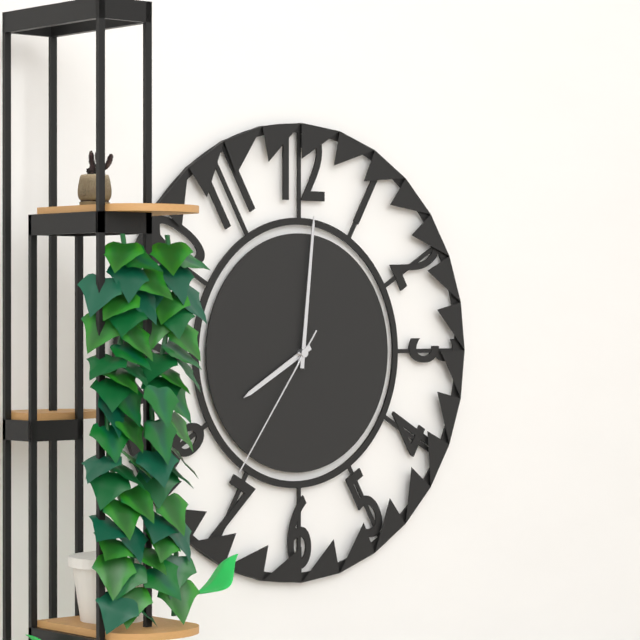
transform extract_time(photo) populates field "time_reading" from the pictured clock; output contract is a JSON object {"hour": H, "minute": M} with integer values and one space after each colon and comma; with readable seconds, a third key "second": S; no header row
{"hour": 8, "minute": 1, "second": 36}
